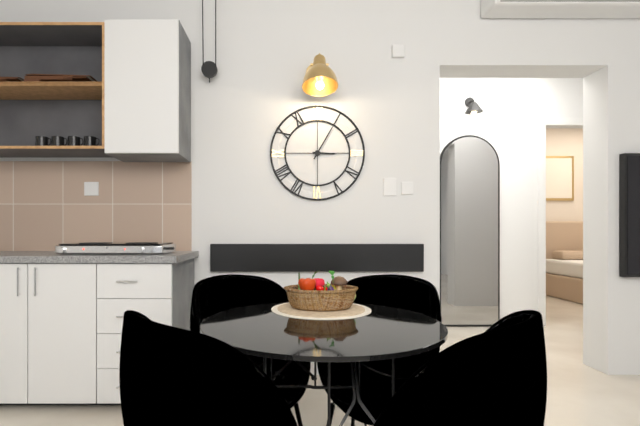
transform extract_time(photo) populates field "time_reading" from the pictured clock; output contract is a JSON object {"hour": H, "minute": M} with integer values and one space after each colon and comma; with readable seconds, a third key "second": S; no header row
{"hour": 3, "minute": 5}
